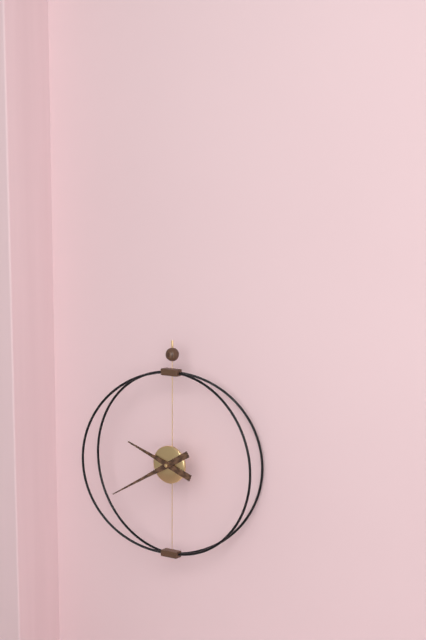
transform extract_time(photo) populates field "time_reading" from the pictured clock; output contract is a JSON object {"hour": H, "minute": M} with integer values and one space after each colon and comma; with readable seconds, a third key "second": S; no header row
{"hour": 9, "minute": 40}
